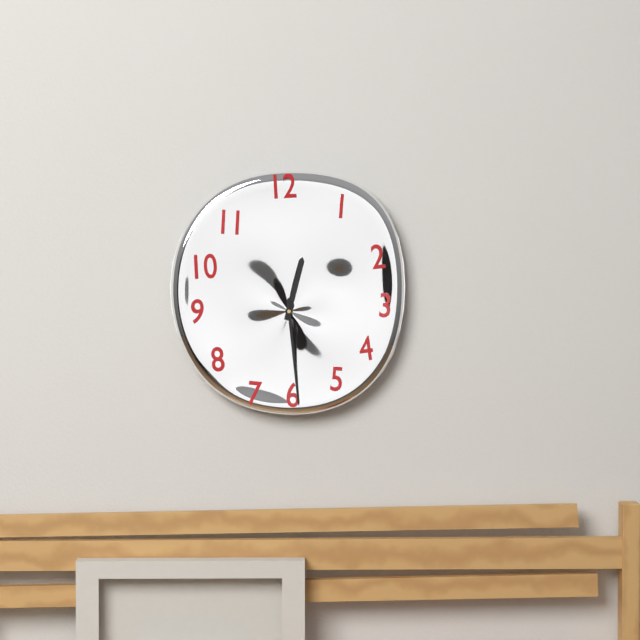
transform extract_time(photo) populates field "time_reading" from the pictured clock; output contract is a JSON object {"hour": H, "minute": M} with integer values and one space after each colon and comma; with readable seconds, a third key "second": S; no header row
{"hour": 12, "minute": 29}
